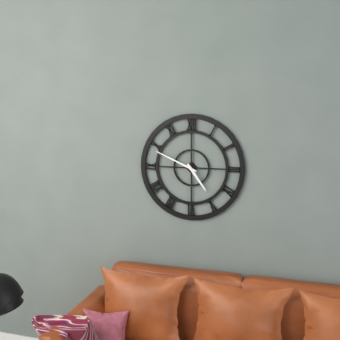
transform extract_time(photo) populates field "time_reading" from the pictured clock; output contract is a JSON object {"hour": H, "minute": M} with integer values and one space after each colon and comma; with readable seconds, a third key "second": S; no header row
{"hour": 4, "minute": 49}
